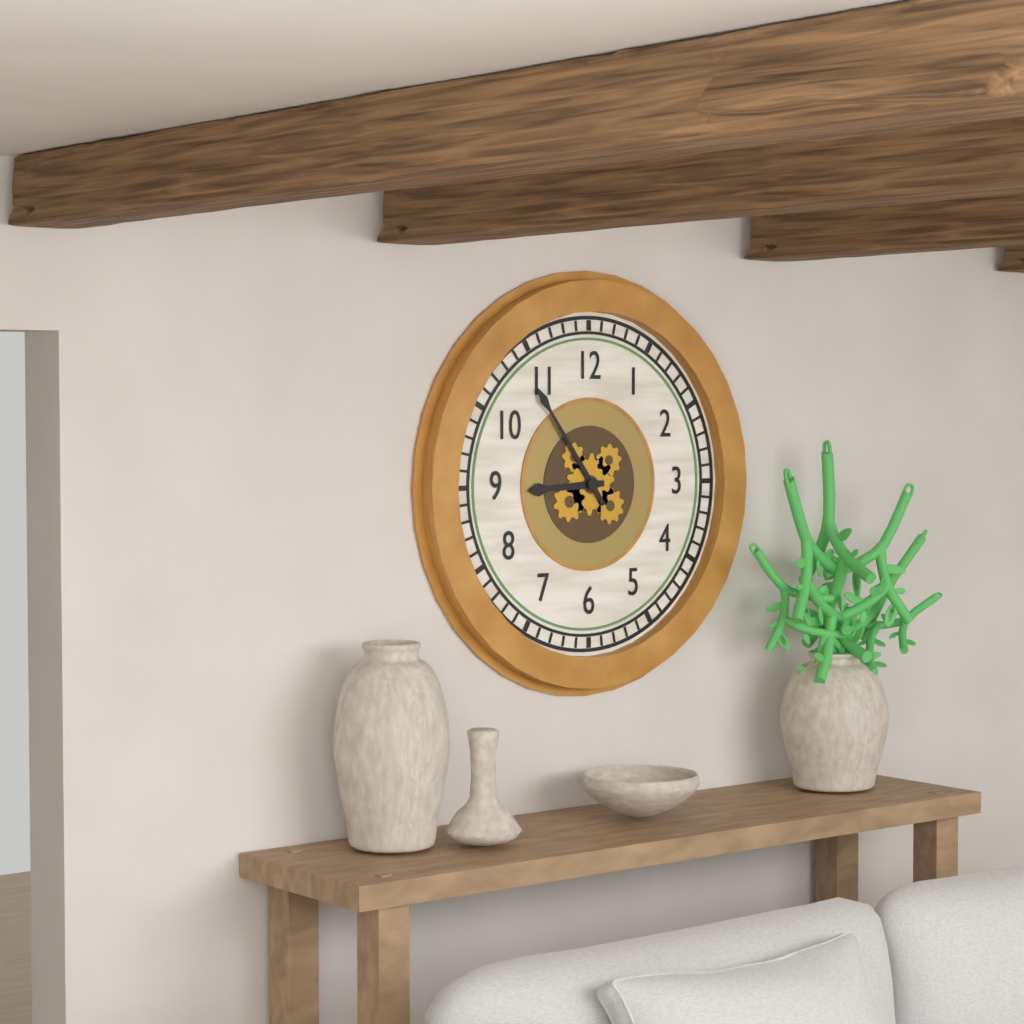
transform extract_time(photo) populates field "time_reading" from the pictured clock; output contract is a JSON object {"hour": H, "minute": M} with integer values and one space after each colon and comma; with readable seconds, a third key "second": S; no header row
{"hour": 8, "minute": 54}
